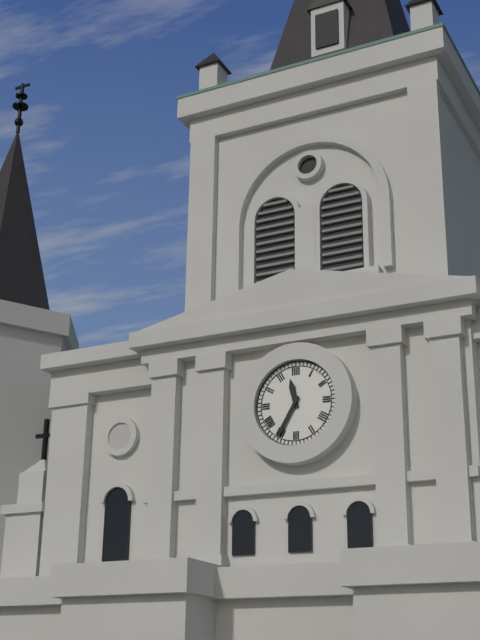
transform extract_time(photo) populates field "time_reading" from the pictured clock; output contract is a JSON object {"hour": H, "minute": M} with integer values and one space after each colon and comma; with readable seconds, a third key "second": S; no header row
{"hour": 11, "minute": 35}
